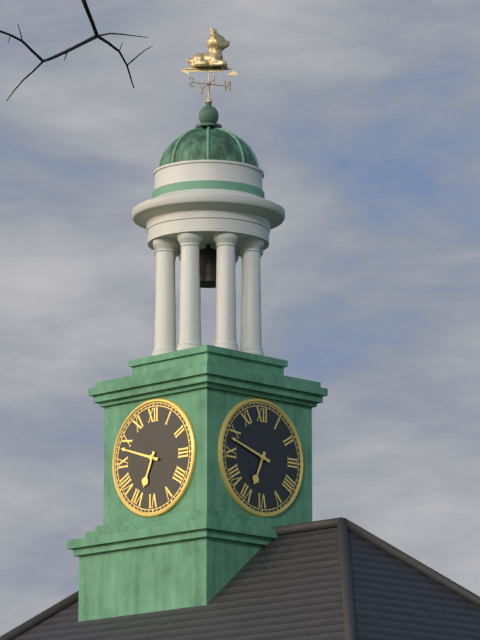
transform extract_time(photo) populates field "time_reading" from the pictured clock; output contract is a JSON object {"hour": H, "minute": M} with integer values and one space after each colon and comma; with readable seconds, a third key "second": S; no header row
{"hour": 6, "minute": 48}
